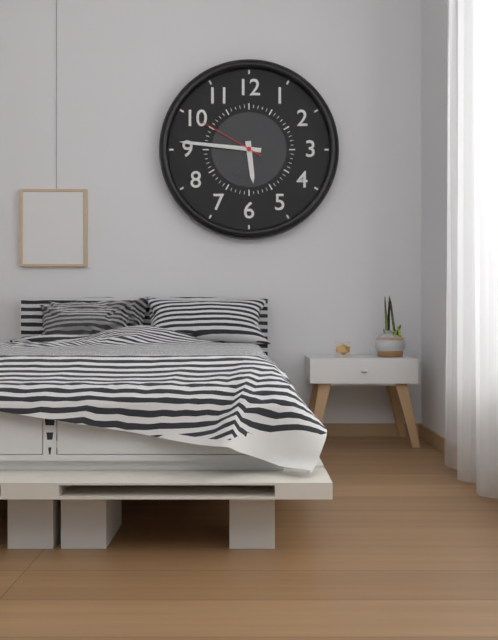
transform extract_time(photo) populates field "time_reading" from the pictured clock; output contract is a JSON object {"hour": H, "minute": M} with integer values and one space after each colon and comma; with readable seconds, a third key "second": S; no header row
{"hour": 5, "minute": 46, "second": 50}
